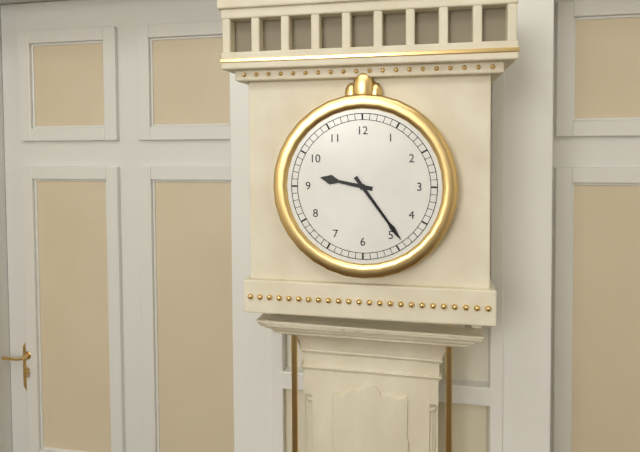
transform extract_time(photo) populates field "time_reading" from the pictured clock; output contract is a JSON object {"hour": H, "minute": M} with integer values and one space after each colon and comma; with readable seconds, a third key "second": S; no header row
{"hour": 9, "minute": 24}
